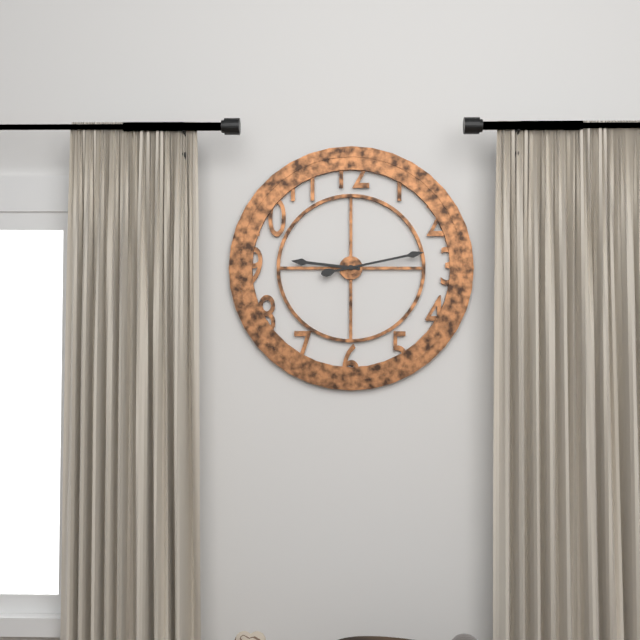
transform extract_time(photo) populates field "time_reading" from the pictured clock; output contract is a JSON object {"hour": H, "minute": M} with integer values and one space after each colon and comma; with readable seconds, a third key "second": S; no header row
{"hour": 9, "minute": 13}
